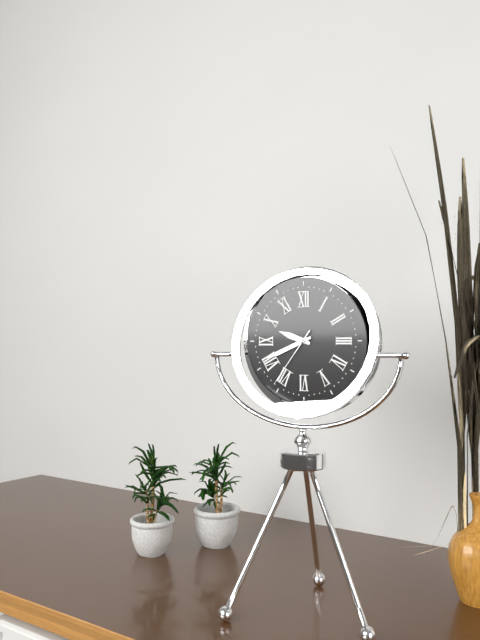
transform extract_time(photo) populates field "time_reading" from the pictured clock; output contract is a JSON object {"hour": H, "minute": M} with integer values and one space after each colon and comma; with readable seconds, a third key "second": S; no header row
{"hour": 9, "minute": 41, "second": 36}
